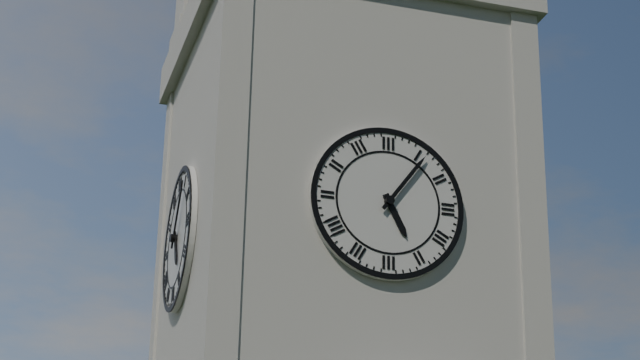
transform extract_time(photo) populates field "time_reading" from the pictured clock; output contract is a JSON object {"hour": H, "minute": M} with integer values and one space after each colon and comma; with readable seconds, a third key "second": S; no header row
{"hour": 5, "minute": 6}
